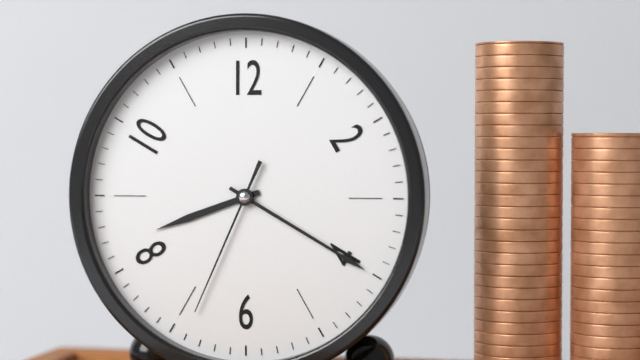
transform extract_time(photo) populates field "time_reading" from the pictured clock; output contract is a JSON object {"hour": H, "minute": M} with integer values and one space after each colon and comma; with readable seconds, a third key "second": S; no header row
{"hour": 8, "minute": 20, "second": 34}
